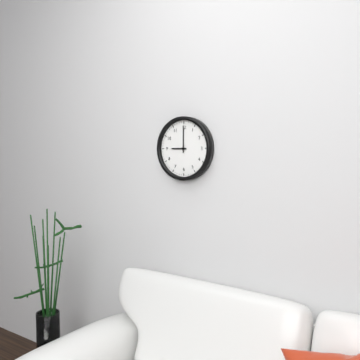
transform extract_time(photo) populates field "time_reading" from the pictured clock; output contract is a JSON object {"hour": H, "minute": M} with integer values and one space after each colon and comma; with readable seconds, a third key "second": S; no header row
{"hour": 9, "minute": 0}
